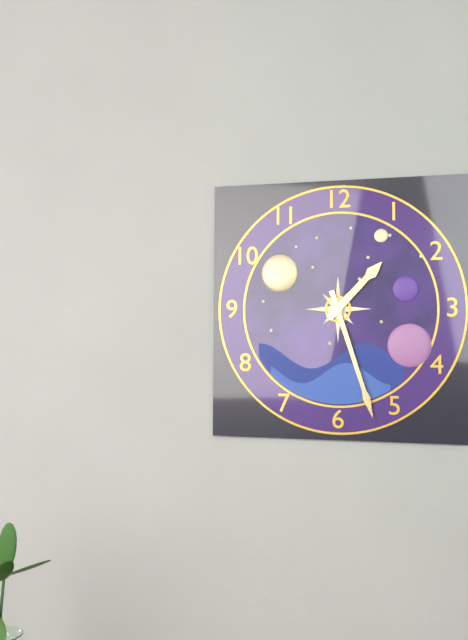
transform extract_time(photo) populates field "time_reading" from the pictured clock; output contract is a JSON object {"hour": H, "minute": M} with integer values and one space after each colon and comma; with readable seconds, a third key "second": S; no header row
{"hour": 1, "minute": 27}
